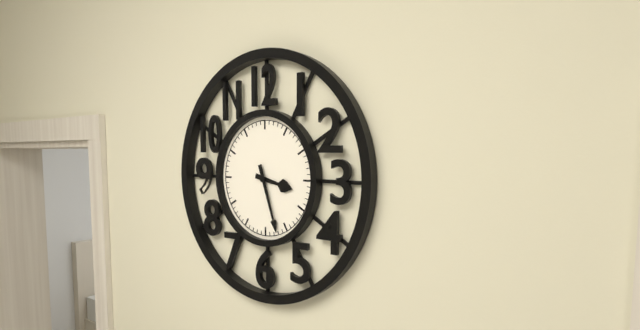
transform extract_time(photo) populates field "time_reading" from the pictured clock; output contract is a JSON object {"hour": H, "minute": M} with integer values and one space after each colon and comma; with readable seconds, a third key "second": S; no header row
{"hour": 3, "minute": 27}
